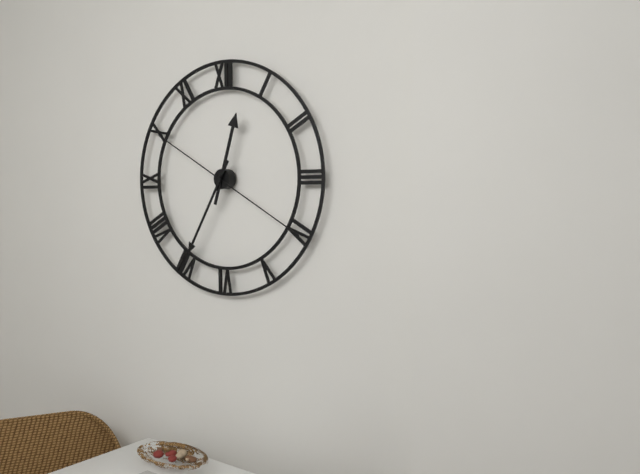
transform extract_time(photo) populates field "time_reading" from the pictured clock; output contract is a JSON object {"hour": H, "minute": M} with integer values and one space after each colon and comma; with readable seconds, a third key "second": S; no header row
{"hour": 12, "minute": 35, "second": 20}
